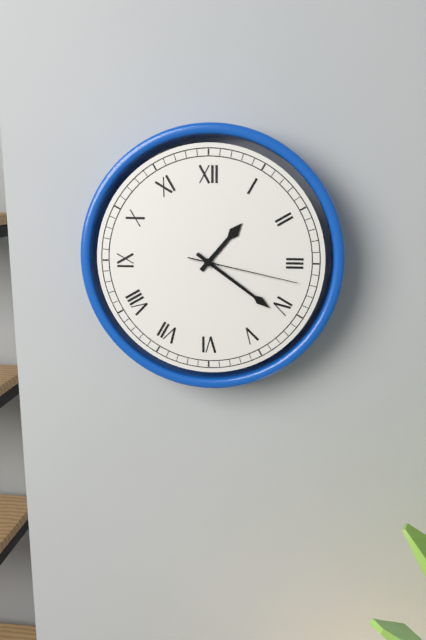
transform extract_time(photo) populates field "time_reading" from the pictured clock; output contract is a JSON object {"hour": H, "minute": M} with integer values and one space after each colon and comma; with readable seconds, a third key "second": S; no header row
{"hour": 1, "minute": 21, "second": 17}
